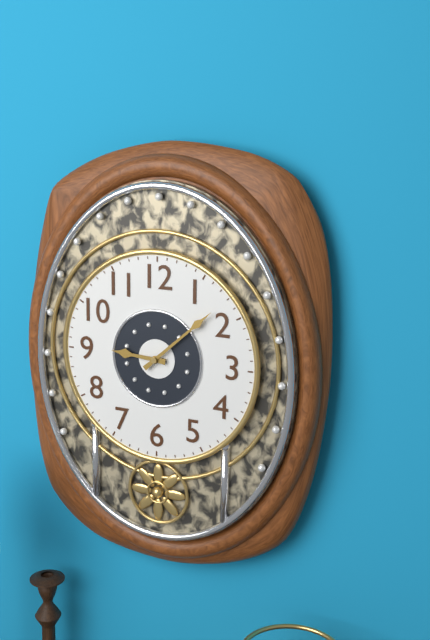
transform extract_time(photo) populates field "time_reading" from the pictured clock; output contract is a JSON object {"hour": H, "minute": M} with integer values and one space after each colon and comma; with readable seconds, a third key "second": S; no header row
{"hour": 9, "minute": 8}
